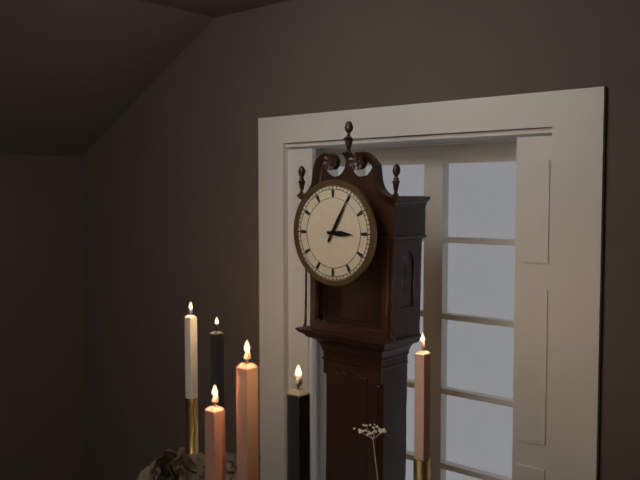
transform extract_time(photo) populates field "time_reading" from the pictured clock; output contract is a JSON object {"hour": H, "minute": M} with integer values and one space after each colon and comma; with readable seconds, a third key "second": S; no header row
{"hour": 3, "minute": 5}
